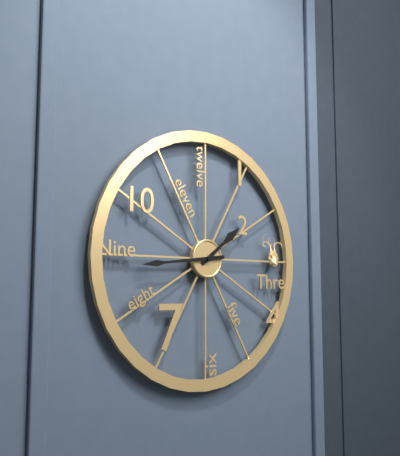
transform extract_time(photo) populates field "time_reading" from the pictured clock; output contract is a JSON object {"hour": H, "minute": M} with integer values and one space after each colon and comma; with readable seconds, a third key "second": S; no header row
{"hour": 1, "minute": 44}
